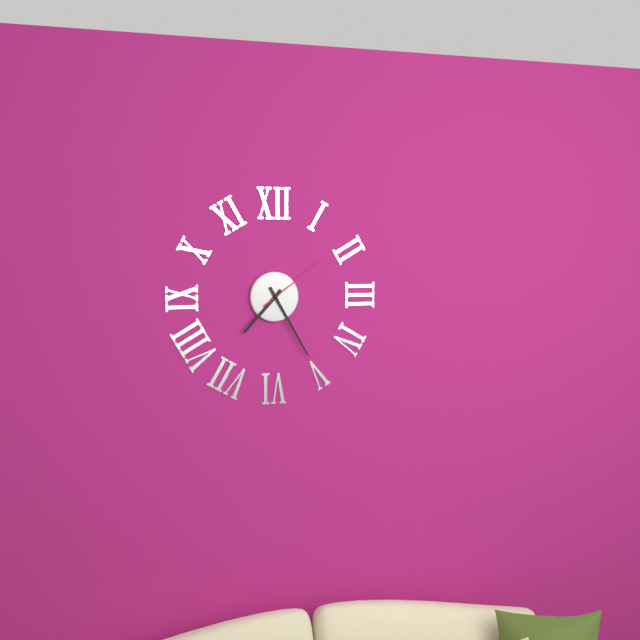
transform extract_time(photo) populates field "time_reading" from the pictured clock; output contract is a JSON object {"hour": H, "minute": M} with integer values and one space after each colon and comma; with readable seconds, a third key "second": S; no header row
{"hour": 7, "minute": 25, "second": 9}
